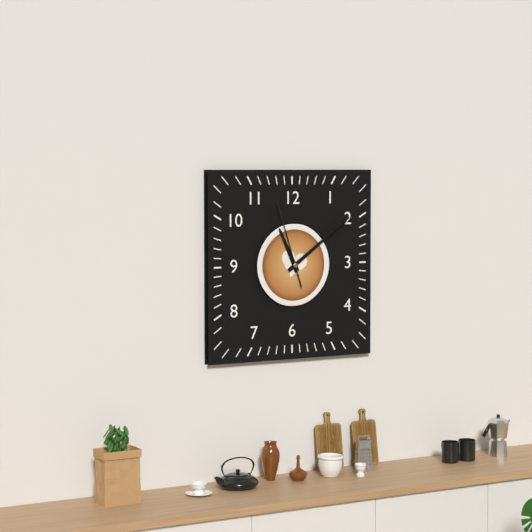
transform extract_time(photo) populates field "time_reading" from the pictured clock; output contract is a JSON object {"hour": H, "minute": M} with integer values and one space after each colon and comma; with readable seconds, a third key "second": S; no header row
{"hour": 11, "minute": 9, "second": 57}
